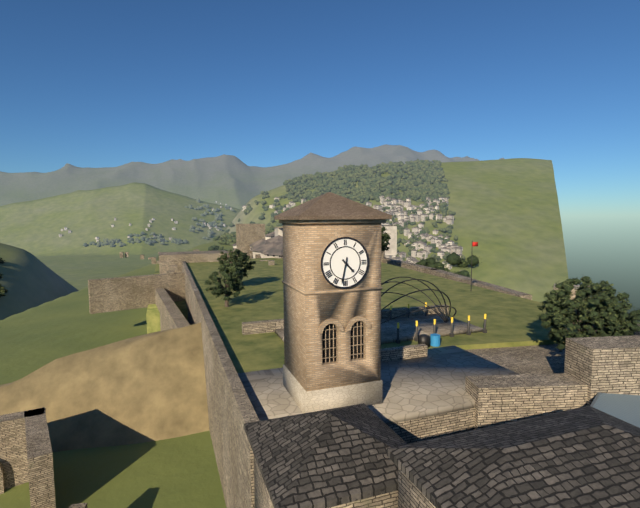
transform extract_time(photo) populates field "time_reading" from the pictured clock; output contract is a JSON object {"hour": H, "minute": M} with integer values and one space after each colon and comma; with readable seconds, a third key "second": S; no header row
{"hour": 4, "minute": 32}
